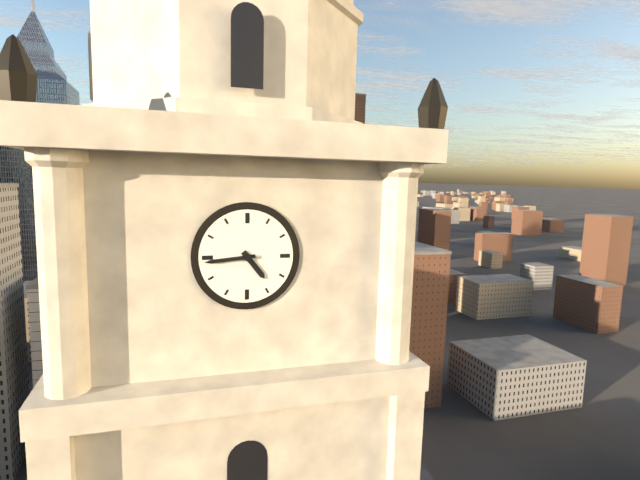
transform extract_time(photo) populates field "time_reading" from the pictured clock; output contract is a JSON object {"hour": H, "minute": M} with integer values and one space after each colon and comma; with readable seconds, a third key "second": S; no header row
{"hour": 4, "minute": 44}
